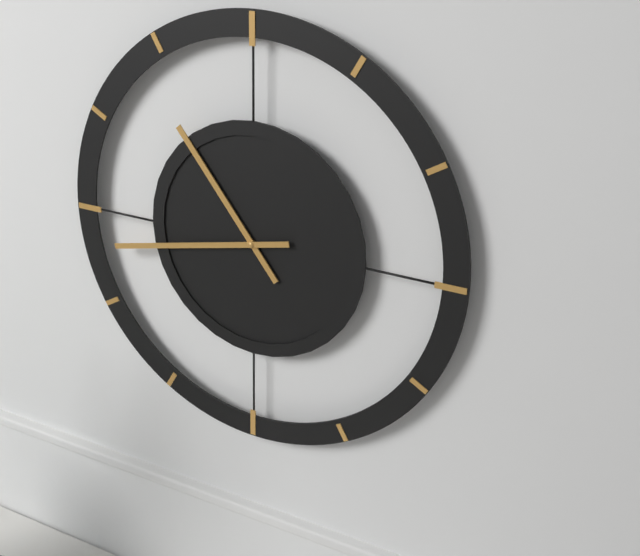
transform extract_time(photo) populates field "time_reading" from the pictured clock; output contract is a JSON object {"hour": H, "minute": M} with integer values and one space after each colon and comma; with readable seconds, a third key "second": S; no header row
{"hour": 10, "minute": 43}
